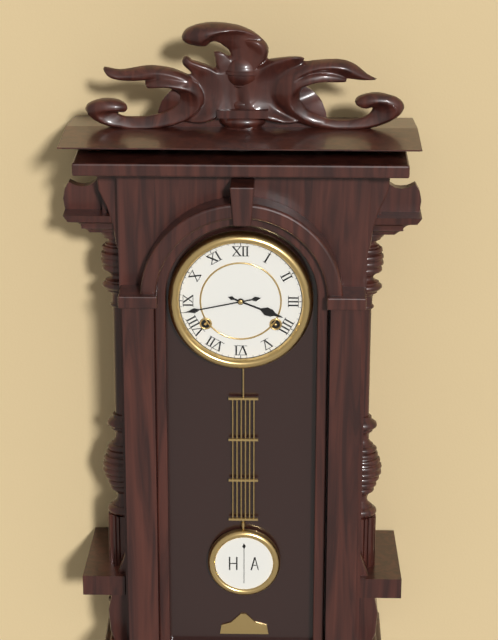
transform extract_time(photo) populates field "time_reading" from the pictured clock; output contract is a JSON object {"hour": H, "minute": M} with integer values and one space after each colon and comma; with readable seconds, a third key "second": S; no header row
{"hour": 3, "minute": 43}
